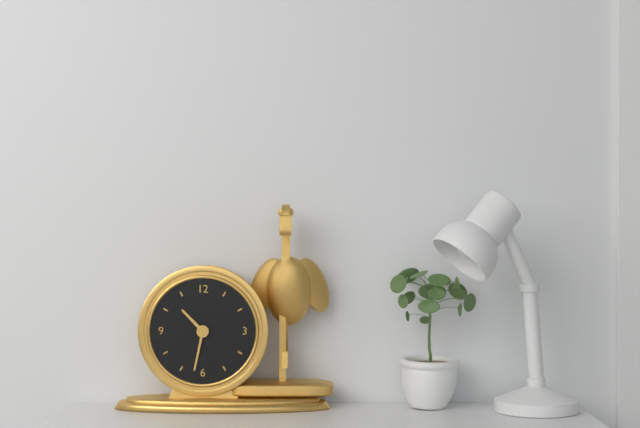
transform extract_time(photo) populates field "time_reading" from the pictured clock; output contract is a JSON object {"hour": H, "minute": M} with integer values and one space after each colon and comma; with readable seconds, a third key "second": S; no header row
{"hour": 10, "minute": 32}
